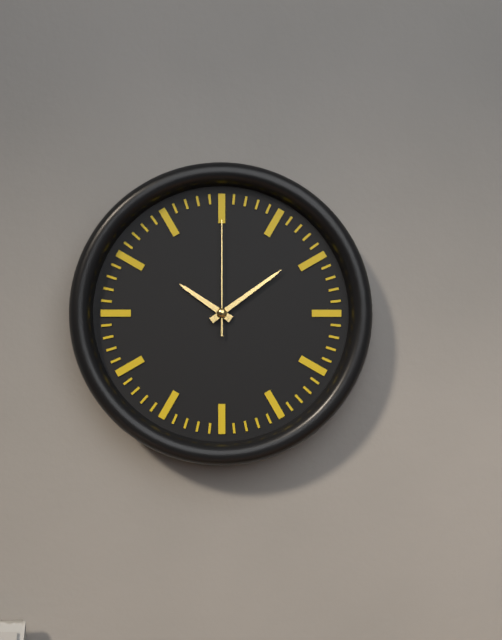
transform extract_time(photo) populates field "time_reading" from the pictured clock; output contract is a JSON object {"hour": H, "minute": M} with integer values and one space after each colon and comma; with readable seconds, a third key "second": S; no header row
{"hour": 10, "minute": 9, "second": 0}
